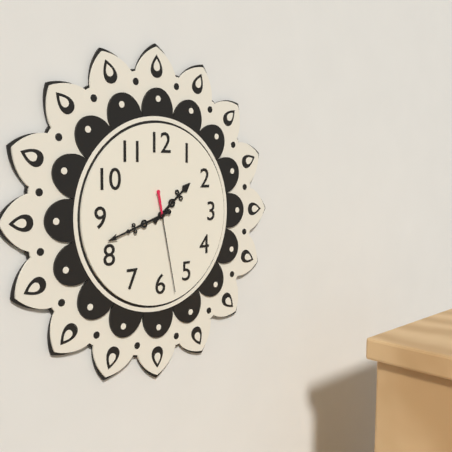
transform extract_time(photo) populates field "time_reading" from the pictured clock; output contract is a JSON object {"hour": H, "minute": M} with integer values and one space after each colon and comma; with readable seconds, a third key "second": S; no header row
{"hour": 1, "minute": 42, "second": 28}
